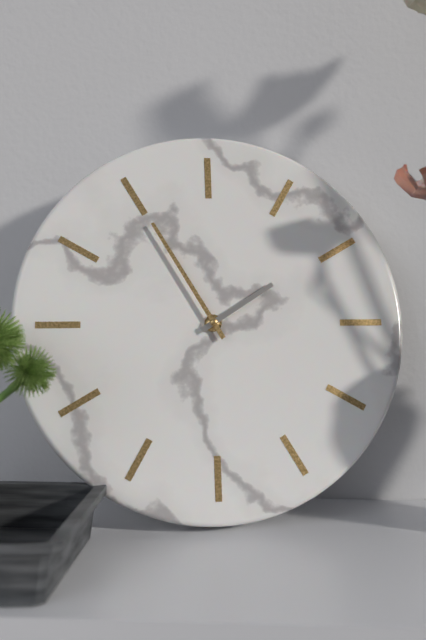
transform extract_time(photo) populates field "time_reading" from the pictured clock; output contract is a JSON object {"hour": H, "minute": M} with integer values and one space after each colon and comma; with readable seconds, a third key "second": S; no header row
{"hour": 1, "minute": 55}
